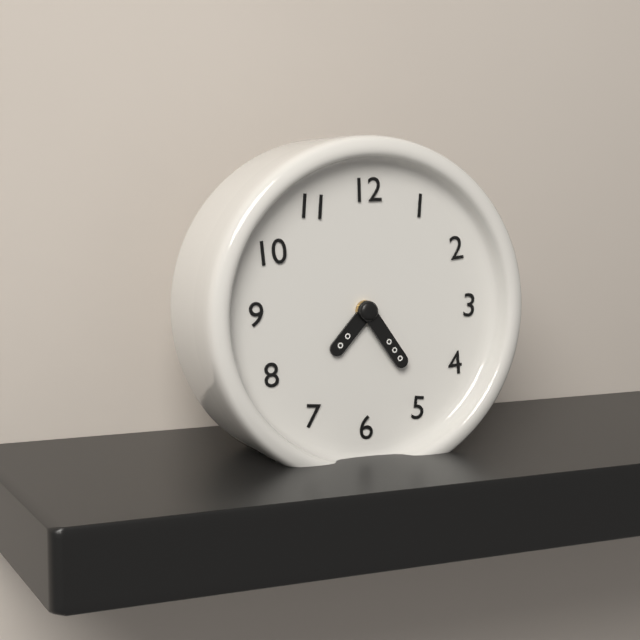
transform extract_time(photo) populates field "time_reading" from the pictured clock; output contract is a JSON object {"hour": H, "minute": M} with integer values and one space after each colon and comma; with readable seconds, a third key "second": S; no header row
{"hour": 7, "minute": 24}
